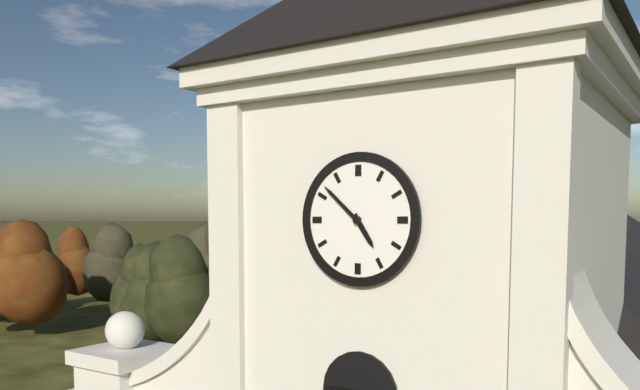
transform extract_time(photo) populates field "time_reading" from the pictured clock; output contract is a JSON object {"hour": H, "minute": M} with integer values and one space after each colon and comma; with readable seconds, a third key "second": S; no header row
{"hour": 4, "minute": 52}
